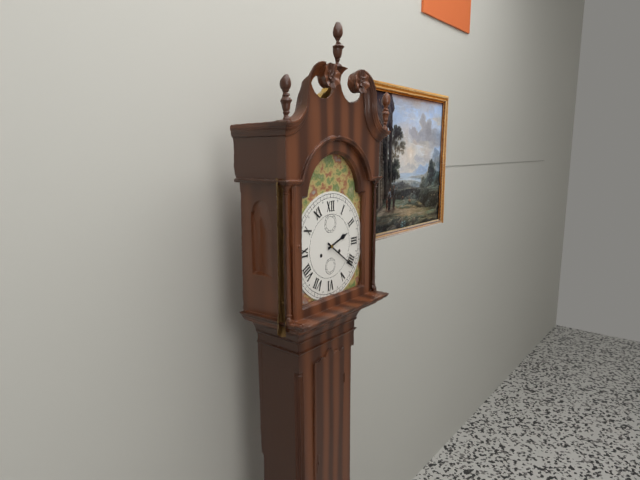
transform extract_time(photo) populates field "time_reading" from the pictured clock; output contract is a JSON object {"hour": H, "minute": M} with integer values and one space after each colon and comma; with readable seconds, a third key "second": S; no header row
{"hour": 2, "minute": 21}
